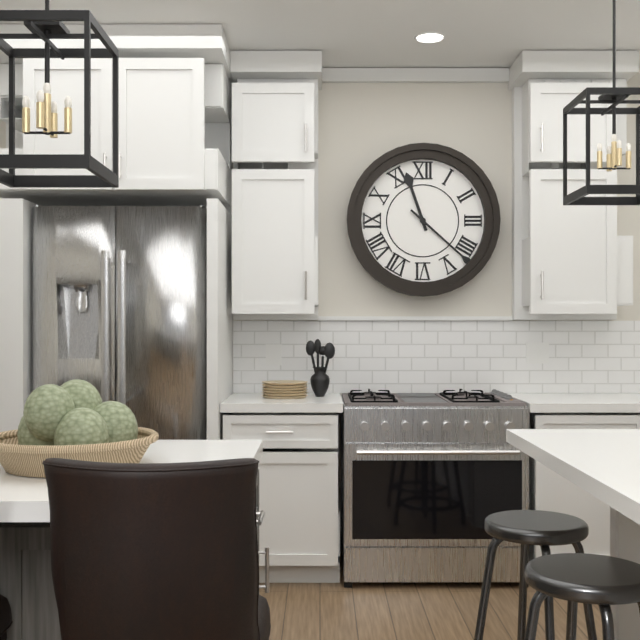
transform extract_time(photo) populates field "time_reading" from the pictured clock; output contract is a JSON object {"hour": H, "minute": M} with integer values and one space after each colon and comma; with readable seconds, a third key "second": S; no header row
{"hour": 11, "minute": 22}
